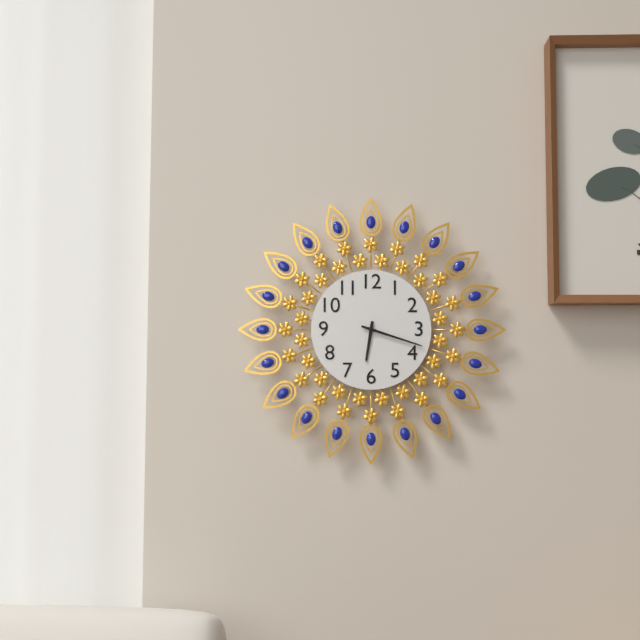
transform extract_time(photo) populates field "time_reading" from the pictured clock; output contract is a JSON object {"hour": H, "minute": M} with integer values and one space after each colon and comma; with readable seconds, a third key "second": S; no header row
{"hour": 6, "minute": 18}
